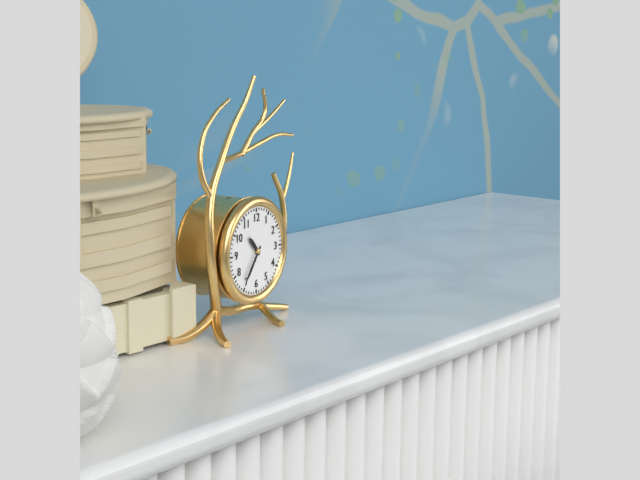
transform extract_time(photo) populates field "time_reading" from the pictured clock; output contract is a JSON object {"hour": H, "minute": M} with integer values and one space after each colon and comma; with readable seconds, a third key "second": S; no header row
{"hour": 10, "minute": 36}
